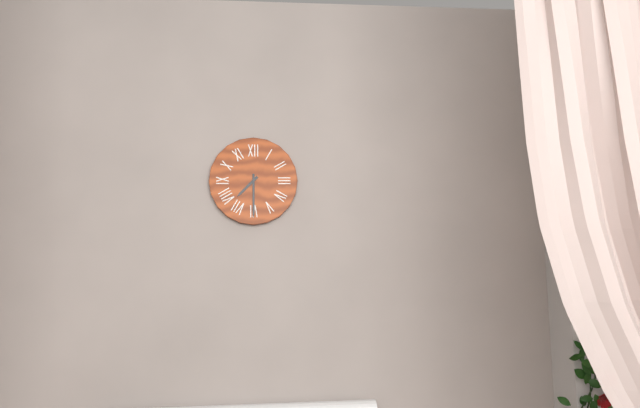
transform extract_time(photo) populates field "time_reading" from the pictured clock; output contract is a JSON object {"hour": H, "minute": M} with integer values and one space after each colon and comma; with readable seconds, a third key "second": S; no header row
{"hour": 7, "minute": 30}
